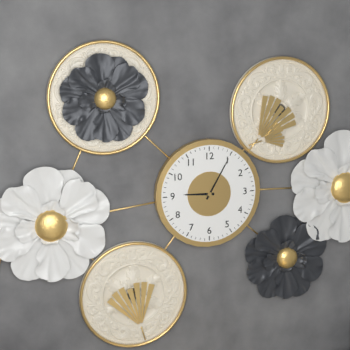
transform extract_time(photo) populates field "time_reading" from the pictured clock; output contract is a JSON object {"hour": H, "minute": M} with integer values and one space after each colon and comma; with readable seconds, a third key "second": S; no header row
{"hour": 9, "minute": 5}
